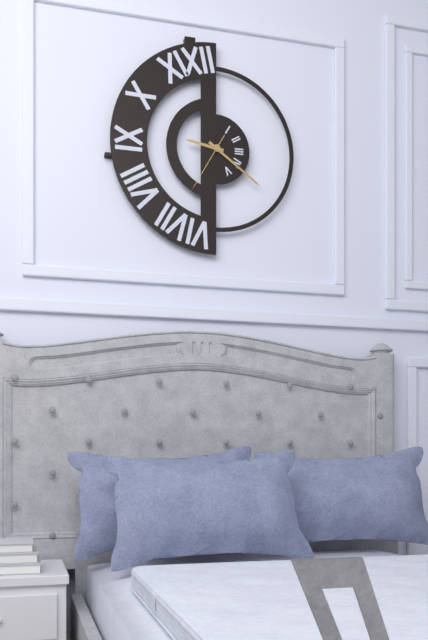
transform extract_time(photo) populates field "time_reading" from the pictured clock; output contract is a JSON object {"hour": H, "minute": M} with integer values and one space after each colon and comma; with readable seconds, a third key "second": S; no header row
{"hour": 9, "minute": 21, "second": 35}
